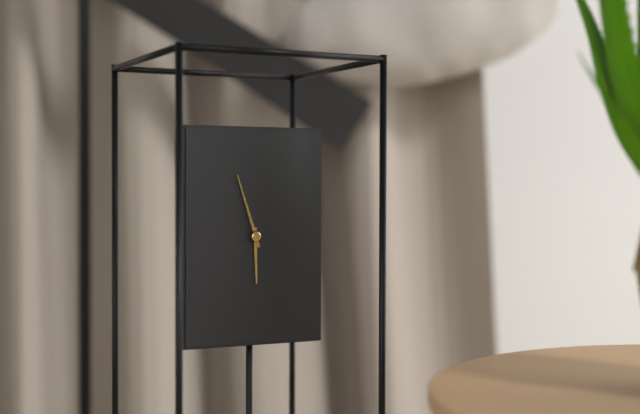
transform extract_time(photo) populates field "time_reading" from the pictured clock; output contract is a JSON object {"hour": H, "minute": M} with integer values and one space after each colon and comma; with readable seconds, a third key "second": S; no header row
{"hour": 5, "minute": 57}
